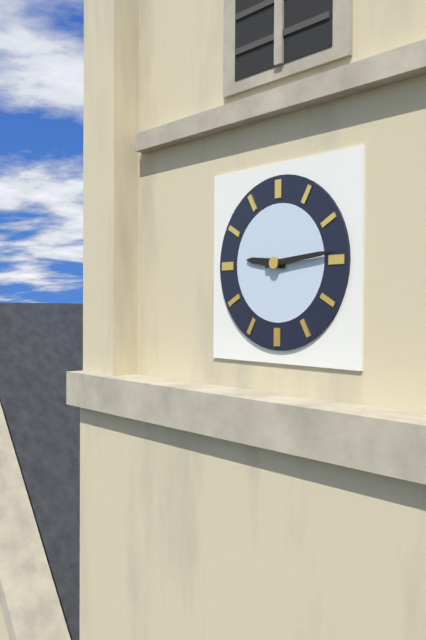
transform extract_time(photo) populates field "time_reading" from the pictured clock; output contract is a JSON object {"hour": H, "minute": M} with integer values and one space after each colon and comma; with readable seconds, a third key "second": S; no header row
{"hour": 9, "minute": 14}
